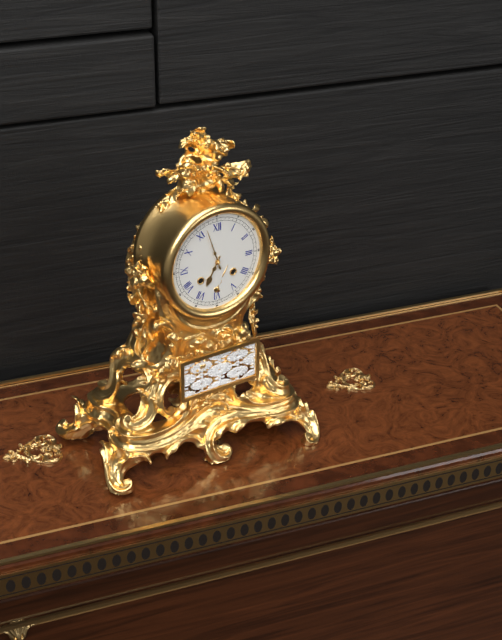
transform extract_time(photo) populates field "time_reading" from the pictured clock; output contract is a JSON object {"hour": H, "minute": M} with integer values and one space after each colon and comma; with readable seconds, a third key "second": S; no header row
{"hour": 6, "minute": 57}
